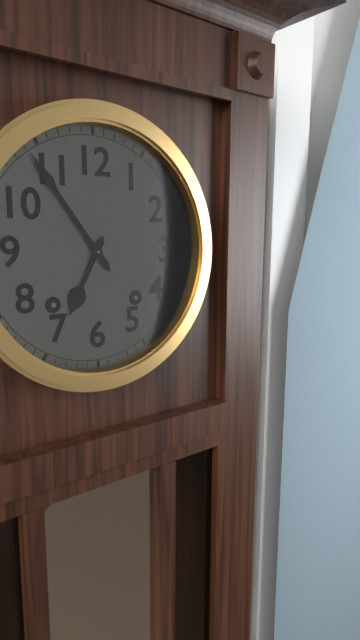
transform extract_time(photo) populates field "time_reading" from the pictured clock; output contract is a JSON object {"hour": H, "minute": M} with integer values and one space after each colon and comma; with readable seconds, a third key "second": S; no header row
{"hour": 6, "minute": 54}
